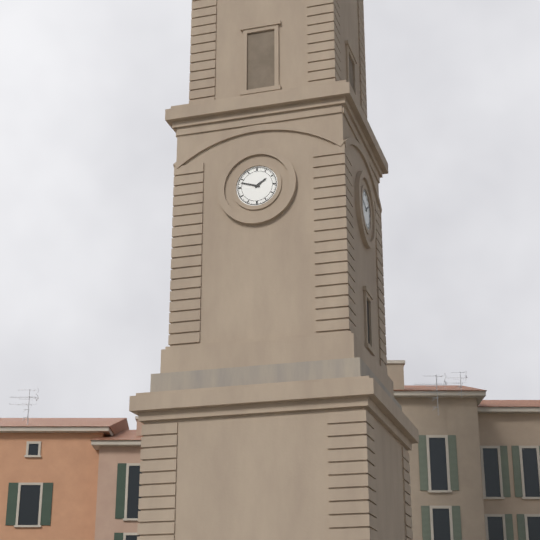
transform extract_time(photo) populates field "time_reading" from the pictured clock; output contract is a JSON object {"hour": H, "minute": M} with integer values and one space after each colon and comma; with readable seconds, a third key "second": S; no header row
{"hour": 1, "minute": 48}
